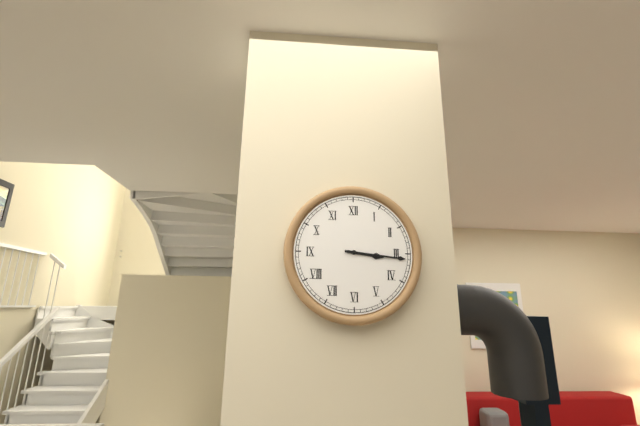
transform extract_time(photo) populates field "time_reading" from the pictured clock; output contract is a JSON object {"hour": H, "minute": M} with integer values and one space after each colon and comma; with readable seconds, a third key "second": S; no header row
{"hour": 3, "minute": 16}
